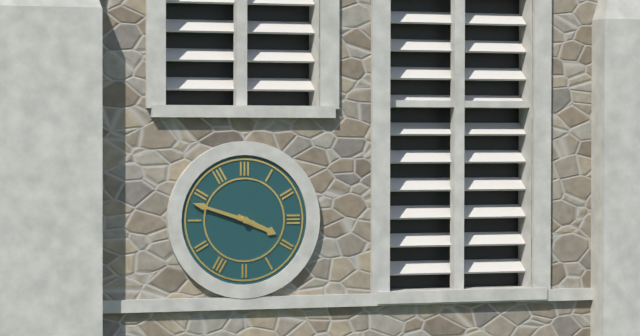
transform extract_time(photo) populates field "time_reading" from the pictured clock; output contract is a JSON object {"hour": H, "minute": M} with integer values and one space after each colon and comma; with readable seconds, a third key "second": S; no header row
{"hour": 3, "minute": 48}
